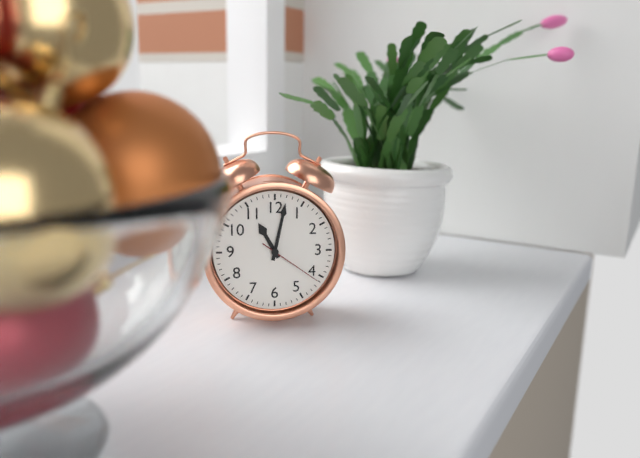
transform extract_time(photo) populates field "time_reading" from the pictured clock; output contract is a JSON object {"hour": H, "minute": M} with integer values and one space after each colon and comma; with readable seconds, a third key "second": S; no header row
{"hour": 11, "minute": 2, "second": 21}
